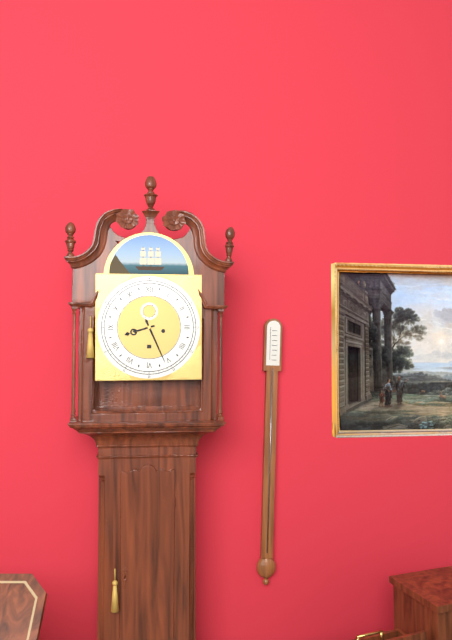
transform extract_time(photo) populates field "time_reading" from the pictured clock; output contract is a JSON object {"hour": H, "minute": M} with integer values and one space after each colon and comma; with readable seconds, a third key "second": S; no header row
{"hour": 8, "minute": 26}
